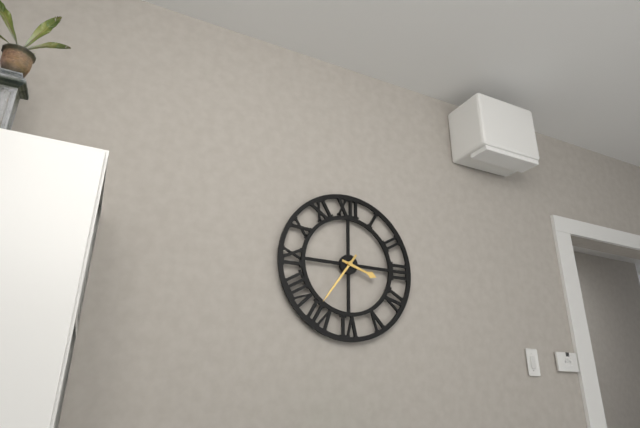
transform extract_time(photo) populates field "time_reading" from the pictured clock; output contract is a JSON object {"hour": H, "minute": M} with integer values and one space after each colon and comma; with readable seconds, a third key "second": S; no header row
{"hour": 3, "minute": 36}
